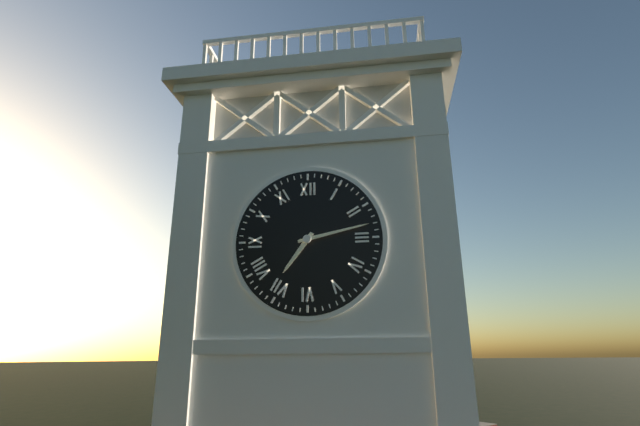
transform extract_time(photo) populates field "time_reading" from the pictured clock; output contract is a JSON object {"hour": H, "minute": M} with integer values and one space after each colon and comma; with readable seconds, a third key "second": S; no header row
{"hour": 7, "minute": 13}
